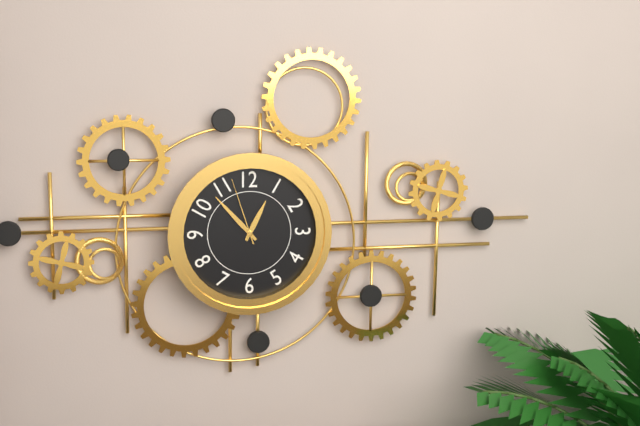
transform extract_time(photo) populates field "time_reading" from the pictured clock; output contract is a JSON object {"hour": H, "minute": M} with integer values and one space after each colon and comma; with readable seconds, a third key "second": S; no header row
{"hour": 12, "minute": 53, "second": 57}
